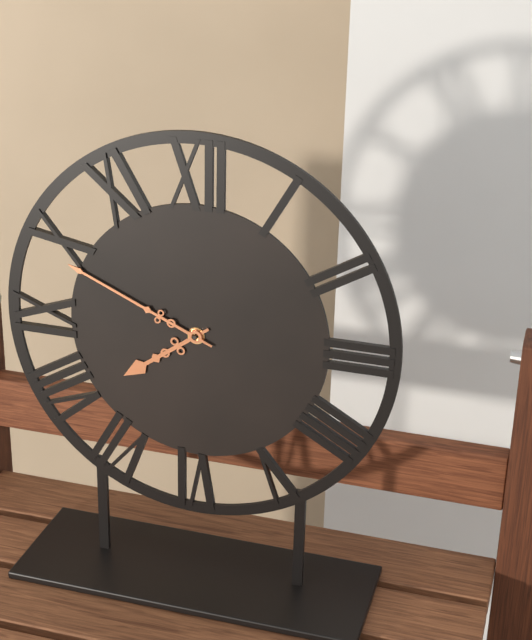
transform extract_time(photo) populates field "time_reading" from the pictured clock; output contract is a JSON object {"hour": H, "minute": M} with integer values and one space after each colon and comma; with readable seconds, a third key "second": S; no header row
{"hour": 7, "minute": 49}
